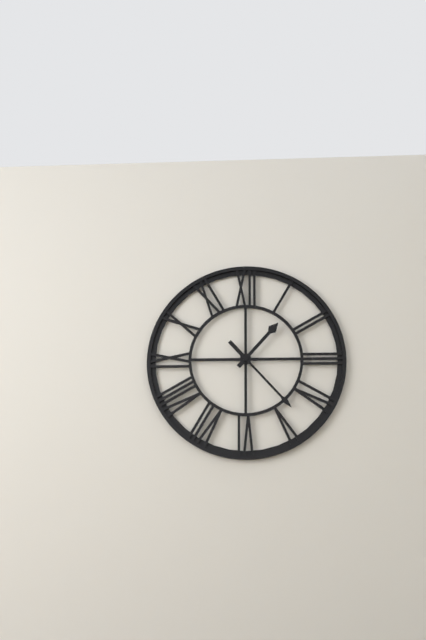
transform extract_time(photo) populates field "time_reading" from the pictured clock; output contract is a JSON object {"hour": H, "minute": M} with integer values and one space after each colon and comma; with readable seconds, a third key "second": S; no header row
{"hour": 1, "minute": 23}
